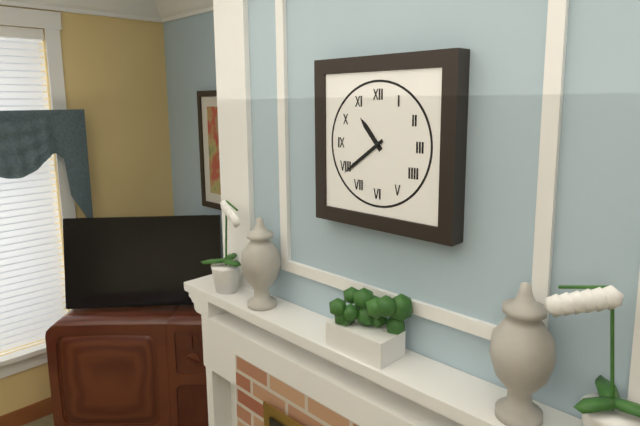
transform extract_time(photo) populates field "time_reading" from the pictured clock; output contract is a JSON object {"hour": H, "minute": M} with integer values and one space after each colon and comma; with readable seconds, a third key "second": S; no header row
{"hour": 10, "minute": 39}
